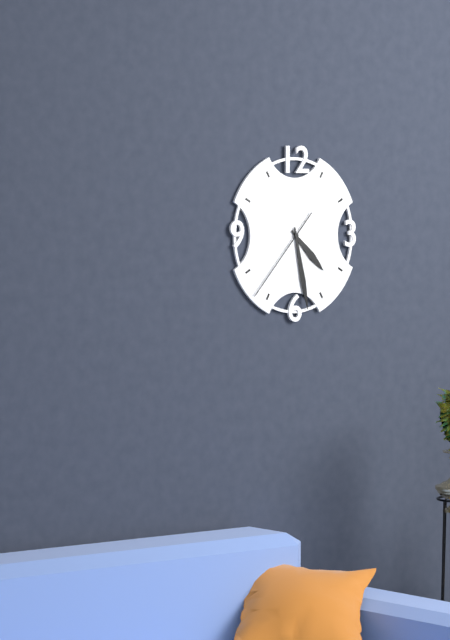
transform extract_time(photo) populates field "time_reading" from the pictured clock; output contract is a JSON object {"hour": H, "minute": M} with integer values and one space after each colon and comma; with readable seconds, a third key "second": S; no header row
{"hour": 4, "minute": 28, "second": 37}
